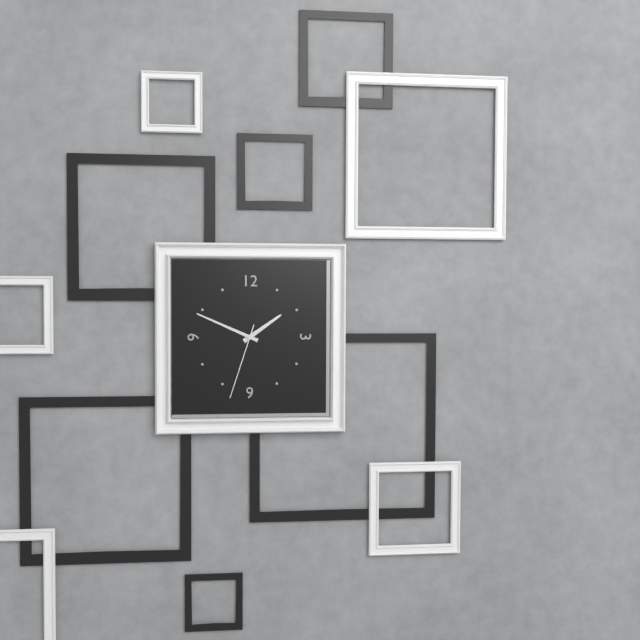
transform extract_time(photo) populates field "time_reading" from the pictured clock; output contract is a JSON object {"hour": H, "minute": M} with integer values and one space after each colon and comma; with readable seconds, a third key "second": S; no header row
{"hour": 1, "minute": 49, "second": 33}
